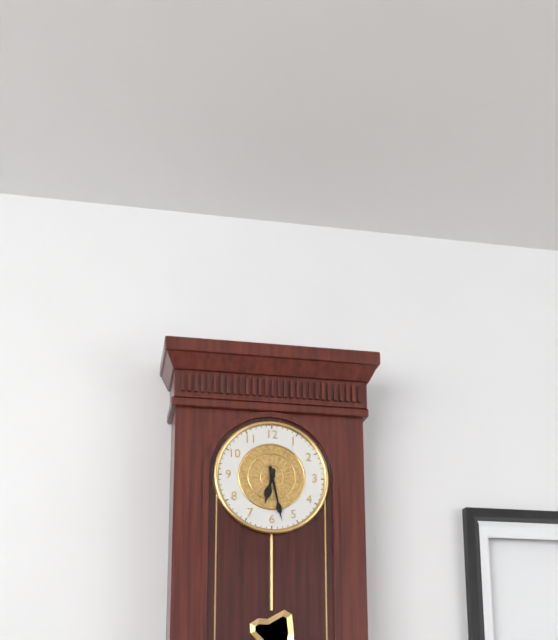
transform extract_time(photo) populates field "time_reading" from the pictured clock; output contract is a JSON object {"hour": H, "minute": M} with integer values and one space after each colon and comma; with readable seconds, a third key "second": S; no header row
{"hour": 6, "minute": 28}
